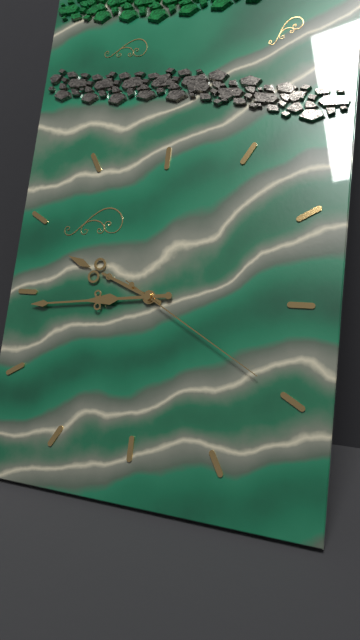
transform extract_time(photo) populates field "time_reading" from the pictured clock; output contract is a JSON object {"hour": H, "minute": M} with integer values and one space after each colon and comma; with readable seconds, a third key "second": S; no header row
{"hour": 9, "minute": 44, "second": 20}
